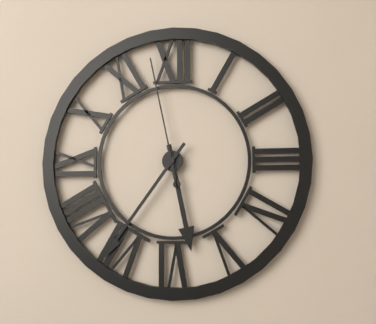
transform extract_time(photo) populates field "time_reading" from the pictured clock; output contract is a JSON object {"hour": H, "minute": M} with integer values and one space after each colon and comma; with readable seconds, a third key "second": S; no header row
{"hour": 5, "minute": 36, "second": 58}
